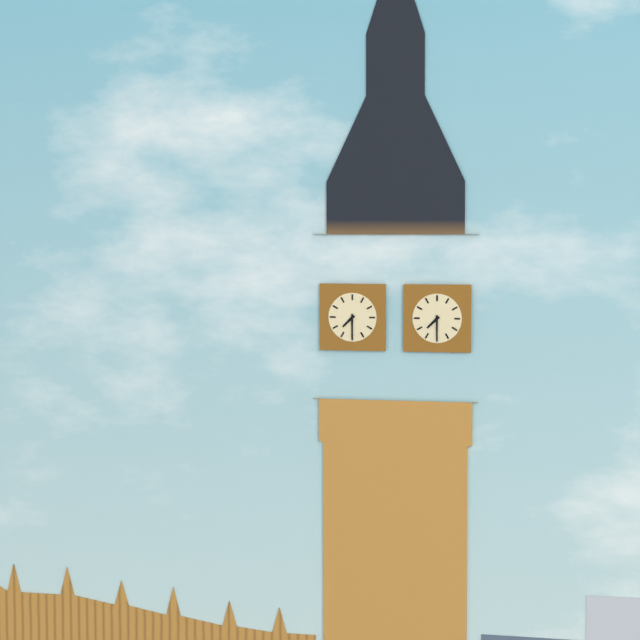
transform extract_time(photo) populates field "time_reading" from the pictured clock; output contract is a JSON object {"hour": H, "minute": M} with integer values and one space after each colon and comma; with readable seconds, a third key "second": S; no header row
{"hour": 7, "minute": 30}
